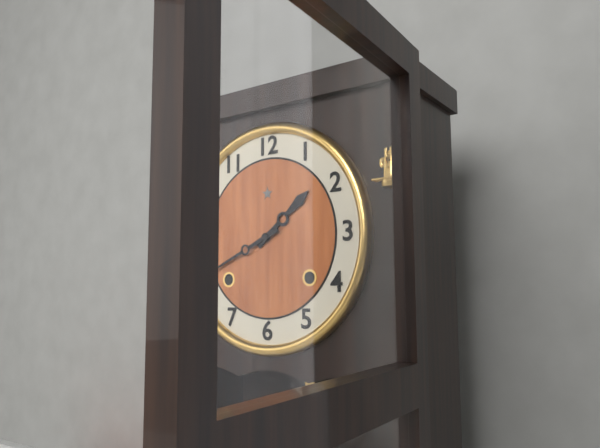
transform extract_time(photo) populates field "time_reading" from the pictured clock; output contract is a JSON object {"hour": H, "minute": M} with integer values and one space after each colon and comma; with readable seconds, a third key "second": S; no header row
{"hour": 1, "minute": 41}
